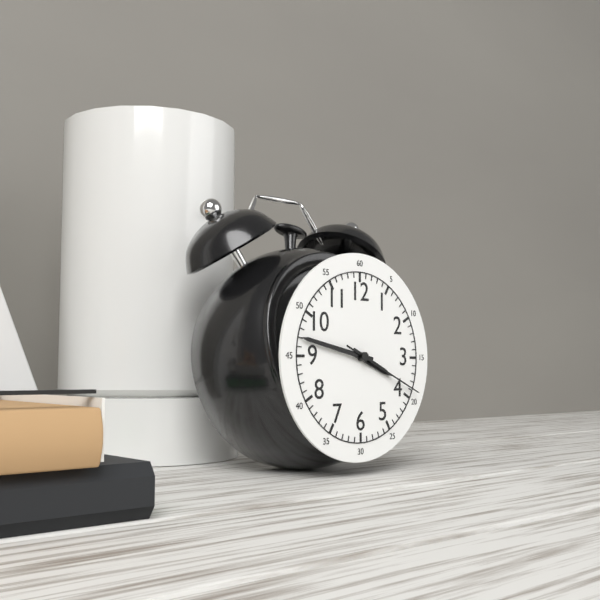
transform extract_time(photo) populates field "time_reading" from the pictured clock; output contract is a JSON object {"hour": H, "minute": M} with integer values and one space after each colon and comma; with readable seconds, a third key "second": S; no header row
{"hour": 3, "minute": 47, "second": 19}
